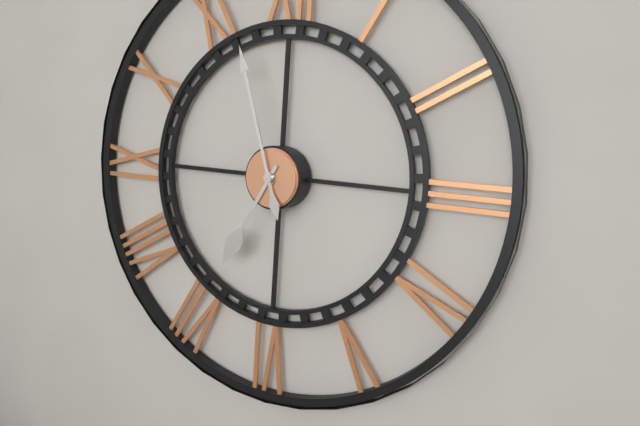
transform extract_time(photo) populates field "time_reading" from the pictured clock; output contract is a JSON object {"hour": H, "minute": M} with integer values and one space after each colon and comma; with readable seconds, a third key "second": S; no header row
{"hour": 6, "minute": 57}
